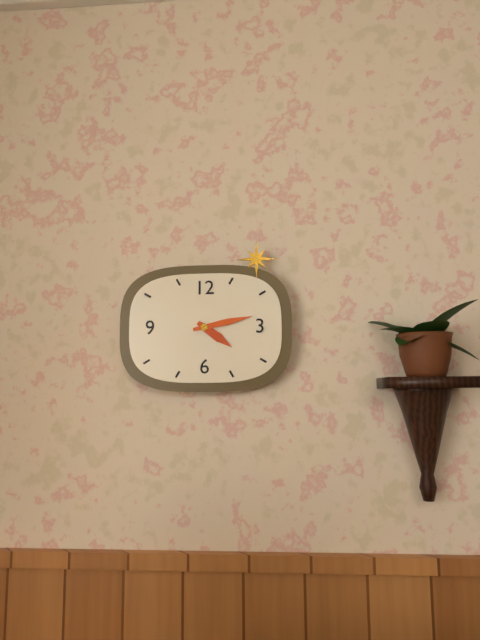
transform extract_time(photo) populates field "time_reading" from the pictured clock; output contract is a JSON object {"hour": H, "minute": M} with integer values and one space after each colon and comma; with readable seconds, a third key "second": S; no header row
{"hour": 4, "minute": 13}
